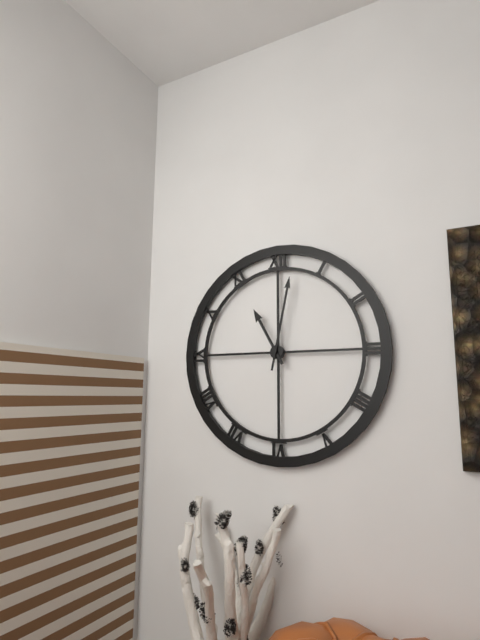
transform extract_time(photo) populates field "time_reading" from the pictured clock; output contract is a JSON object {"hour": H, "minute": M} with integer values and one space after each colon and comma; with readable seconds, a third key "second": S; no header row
{"hour": 11, "minute": 2}
